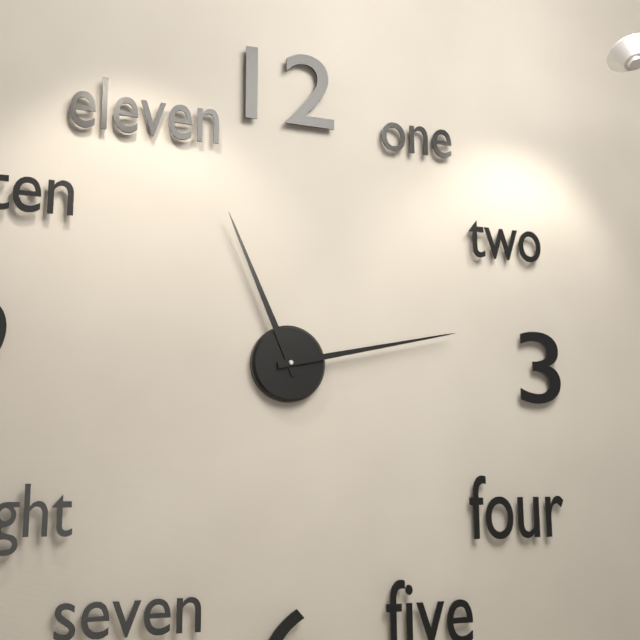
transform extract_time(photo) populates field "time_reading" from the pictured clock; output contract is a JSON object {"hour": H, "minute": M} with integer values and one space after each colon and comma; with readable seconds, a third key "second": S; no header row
{"hour": 11, "minute": 13}
